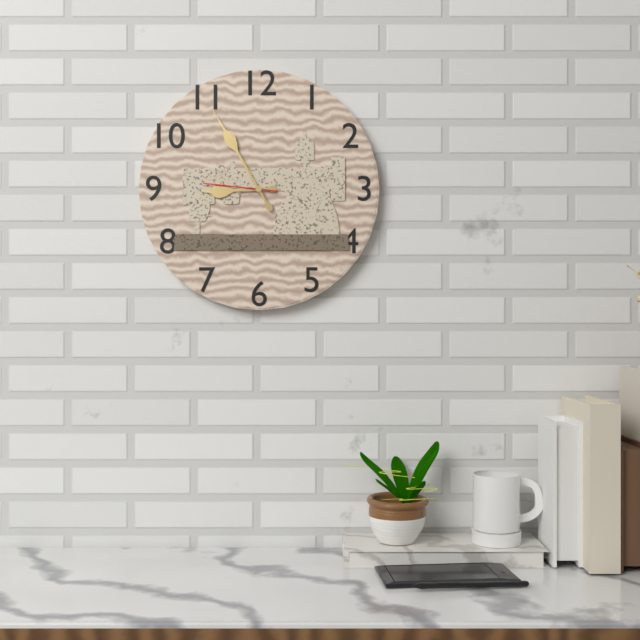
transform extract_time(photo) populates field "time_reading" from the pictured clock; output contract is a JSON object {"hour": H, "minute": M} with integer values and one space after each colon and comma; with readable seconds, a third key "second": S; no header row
{"hour": 8, "minute": 55, "second": 46}
